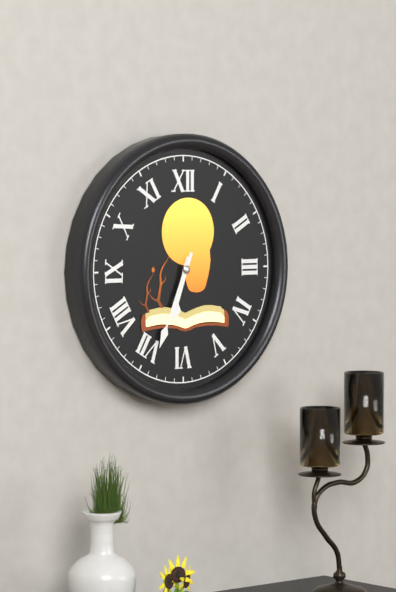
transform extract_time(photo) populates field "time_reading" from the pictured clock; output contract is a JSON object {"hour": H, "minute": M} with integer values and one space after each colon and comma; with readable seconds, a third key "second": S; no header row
{"hour": 6, "minute": 34}
